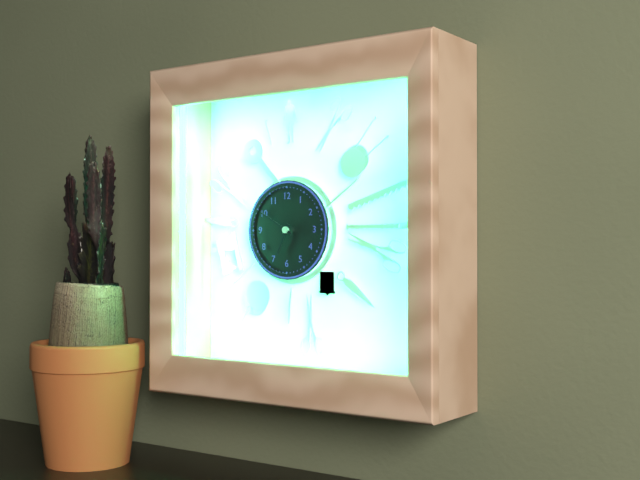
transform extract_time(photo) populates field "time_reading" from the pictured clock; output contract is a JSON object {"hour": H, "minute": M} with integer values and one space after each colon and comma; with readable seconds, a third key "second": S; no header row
{"hour": 6, "minute": 50}
